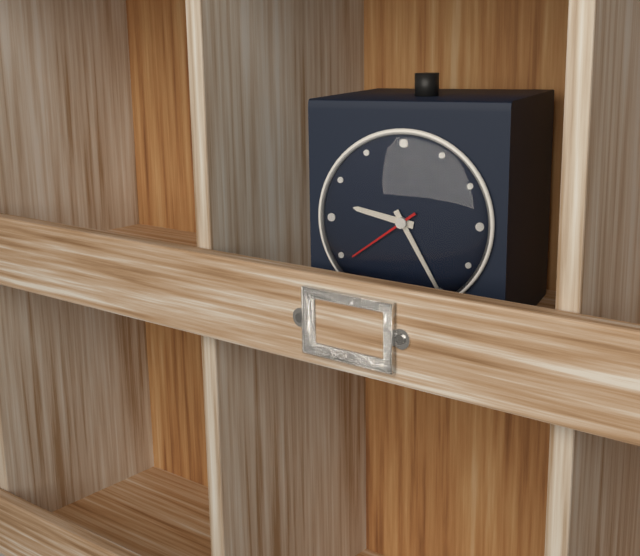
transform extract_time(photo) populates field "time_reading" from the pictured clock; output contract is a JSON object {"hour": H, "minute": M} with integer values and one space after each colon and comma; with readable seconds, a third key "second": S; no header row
{"hour": 9, "minute": 25, "second": 39}
